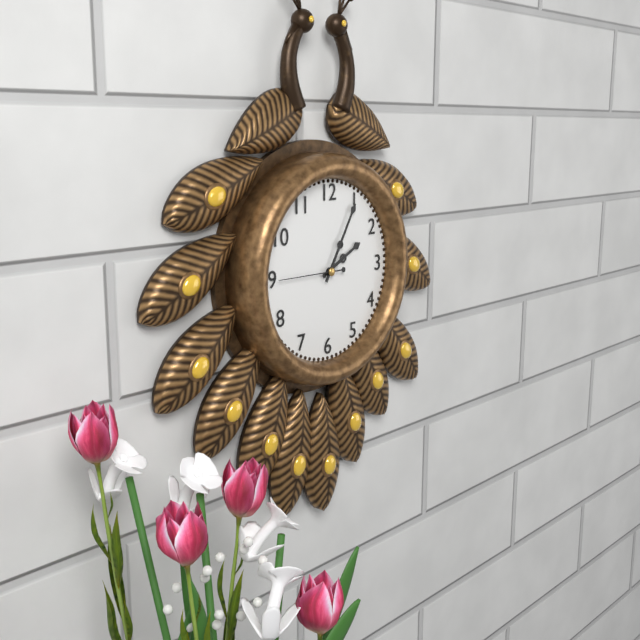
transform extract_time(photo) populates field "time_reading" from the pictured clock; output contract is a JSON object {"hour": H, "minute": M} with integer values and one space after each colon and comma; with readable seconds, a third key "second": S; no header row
{"hour": 2, "minute": 5}
